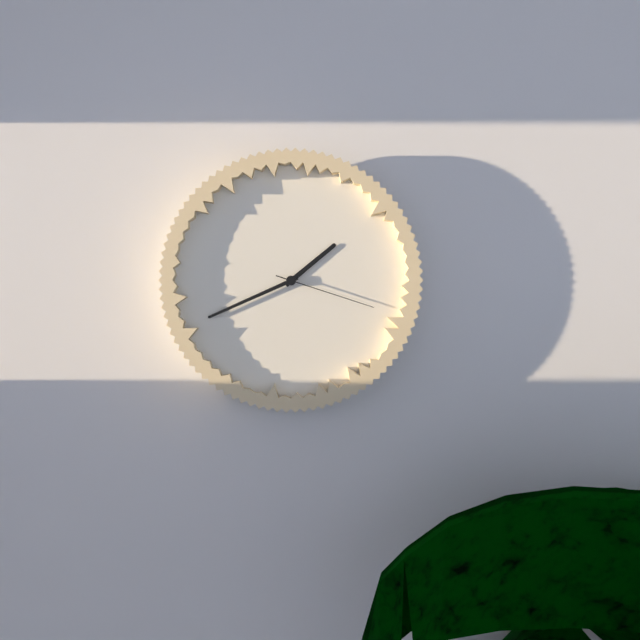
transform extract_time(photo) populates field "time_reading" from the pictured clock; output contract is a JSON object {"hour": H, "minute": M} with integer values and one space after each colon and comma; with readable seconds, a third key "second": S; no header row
{"hour": 1, "minute": 41, "second": 18}
